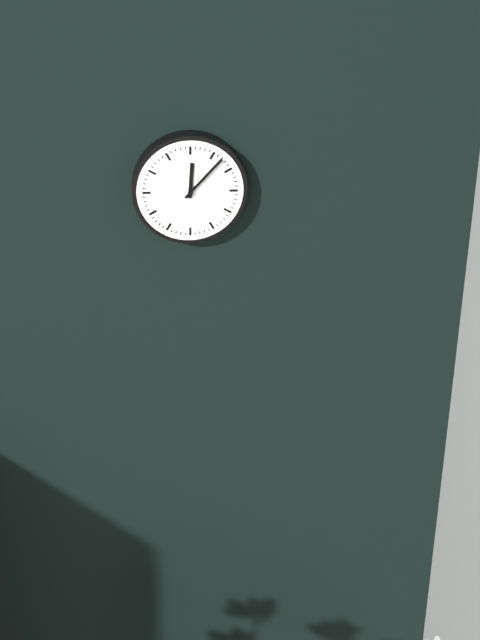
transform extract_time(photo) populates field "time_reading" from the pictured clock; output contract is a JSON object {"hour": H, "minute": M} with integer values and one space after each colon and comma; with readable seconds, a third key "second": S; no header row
{"hour": 12, "minute": 7}
